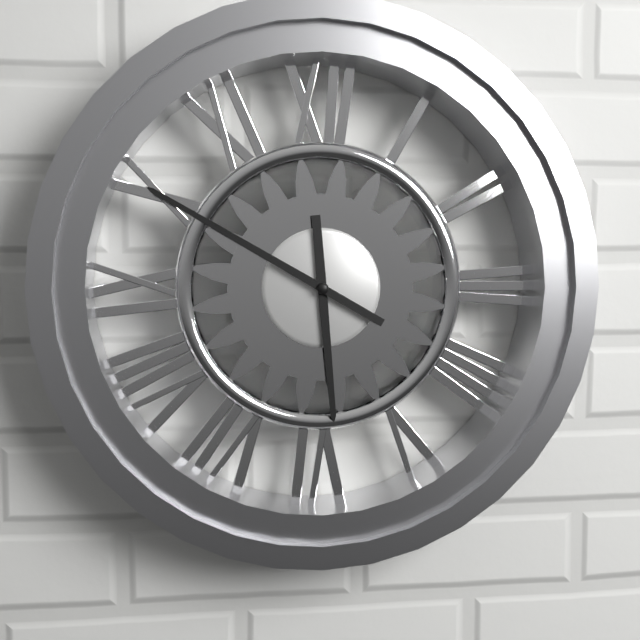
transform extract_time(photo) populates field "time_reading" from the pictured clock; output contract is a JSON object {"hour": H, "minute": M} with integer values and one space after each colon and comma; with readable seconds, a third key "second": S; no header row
{"hour": 5, "minute": 50}
